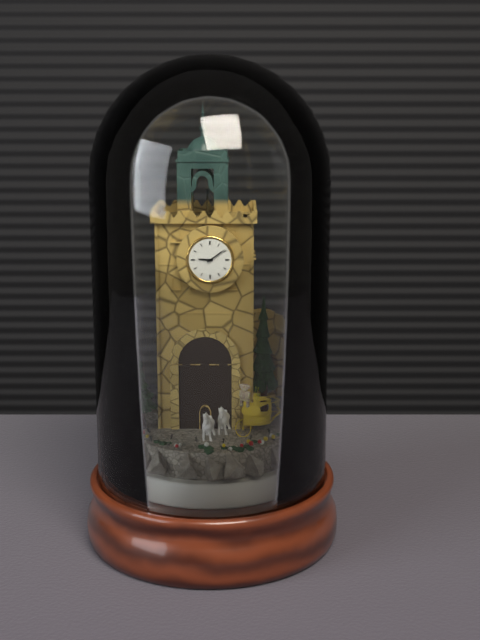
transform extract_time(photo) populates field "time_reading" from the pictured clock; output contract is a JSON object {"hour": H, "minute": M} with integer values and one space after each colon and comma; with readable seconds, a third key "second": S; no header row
{"hour": 9, "minute": 9}
